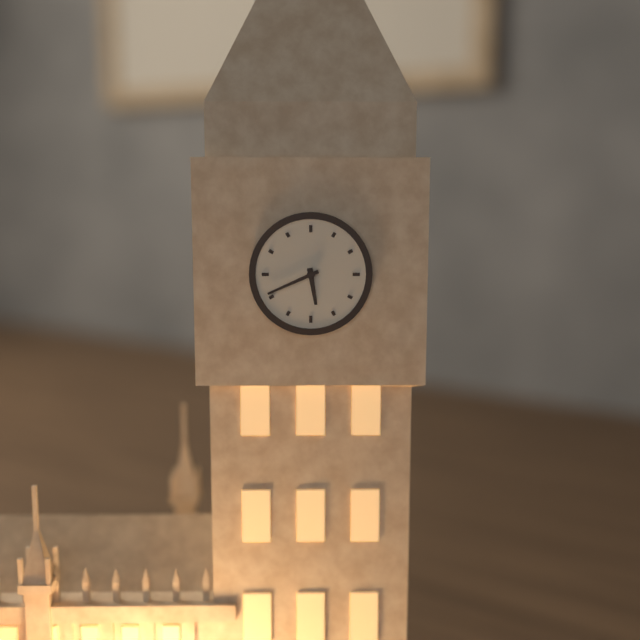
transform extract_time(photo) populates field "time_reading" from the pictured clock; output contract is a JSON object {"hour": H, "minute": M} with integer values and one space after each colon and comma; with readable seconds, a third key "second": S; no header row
{"hour": 5, "minute": 41}
